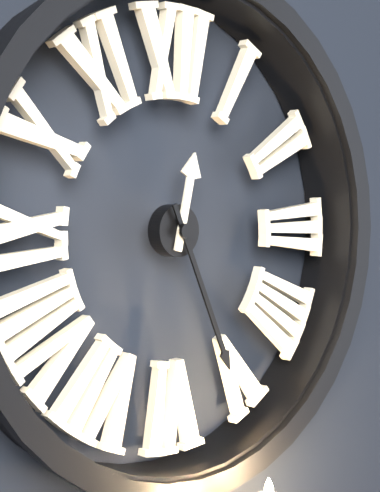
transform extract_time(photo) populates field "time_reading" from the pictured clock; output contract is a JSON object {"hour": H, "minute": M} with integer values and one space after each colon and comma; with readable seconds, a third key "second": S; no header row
{"hour": 12, "minute": 26}
